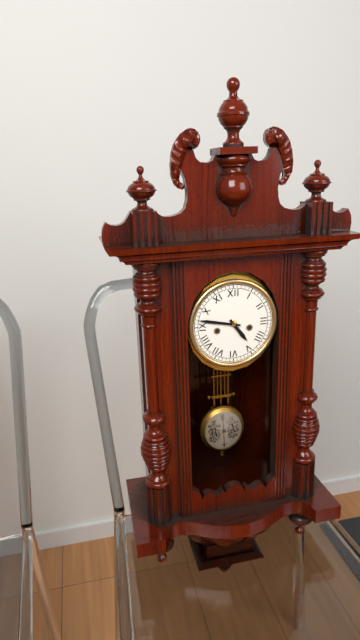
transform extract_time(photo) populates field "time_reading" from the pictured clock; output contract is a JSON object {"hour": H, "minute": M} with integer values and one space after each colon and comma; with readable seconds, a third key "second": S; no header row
{"hour": 4, "minute": 47}
